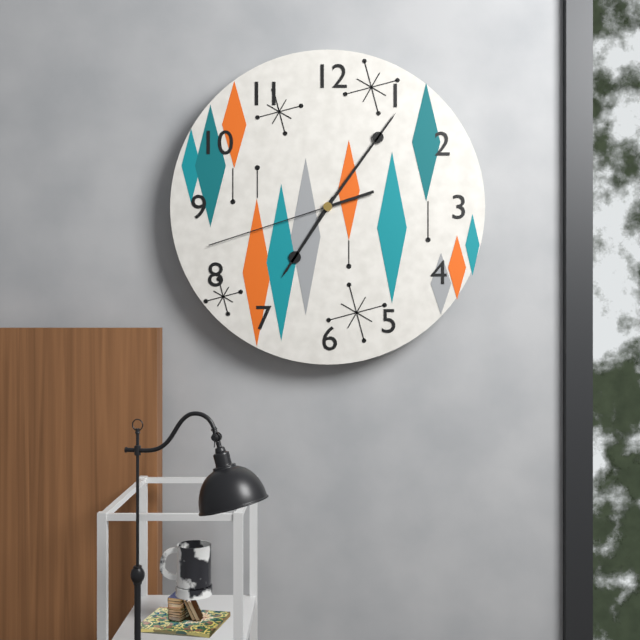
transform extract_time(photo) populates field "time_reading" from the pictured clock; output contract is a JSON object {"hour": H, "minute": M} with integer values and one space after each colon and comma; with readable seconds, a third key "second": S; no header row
{"hour": 7, "minute": 6, "second": 42}
